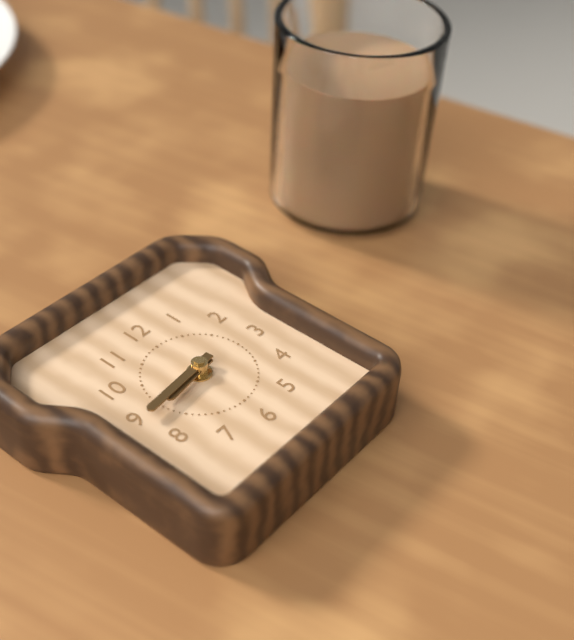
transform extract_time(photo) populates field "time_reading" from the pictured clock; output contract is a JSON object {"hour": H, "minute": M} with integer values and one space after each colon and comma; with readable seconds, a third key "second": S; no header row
{"hour": 8, "minute": 44}
